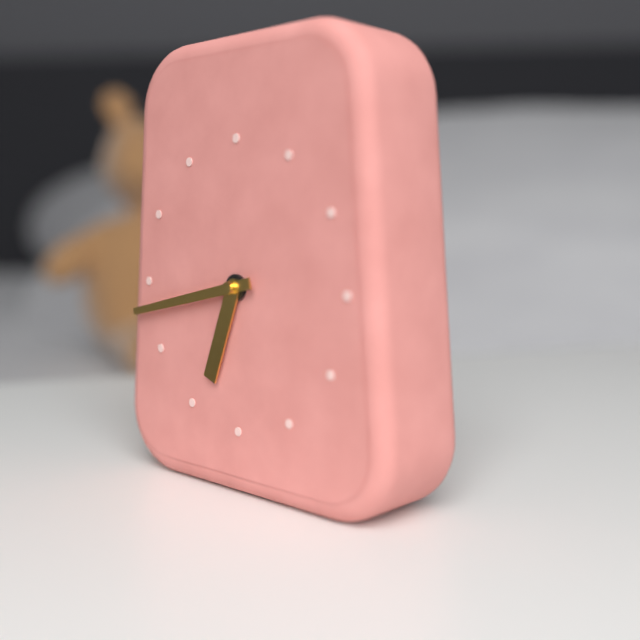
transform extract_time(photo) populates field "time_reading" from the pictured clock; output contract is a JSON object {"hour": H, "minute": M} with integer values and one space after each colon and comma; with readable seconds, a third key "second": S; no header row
{"hour": 6, "minute": 43}
